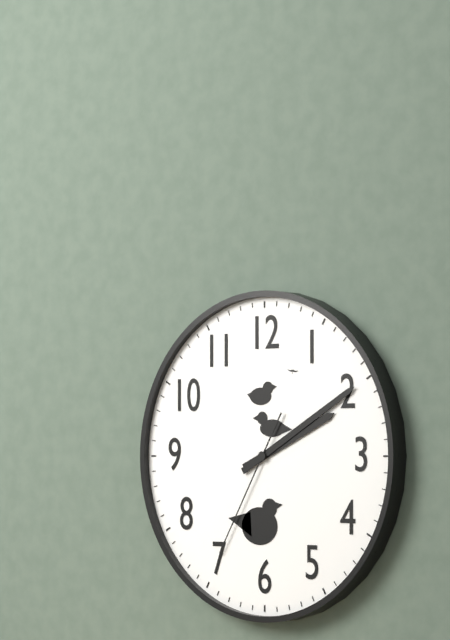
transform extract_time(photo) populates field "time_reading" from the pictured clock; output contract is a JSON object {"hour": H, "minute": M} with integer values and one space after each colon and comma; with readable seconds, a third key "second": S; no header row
{"hour": 2, "minute": 10, "second": 35}
